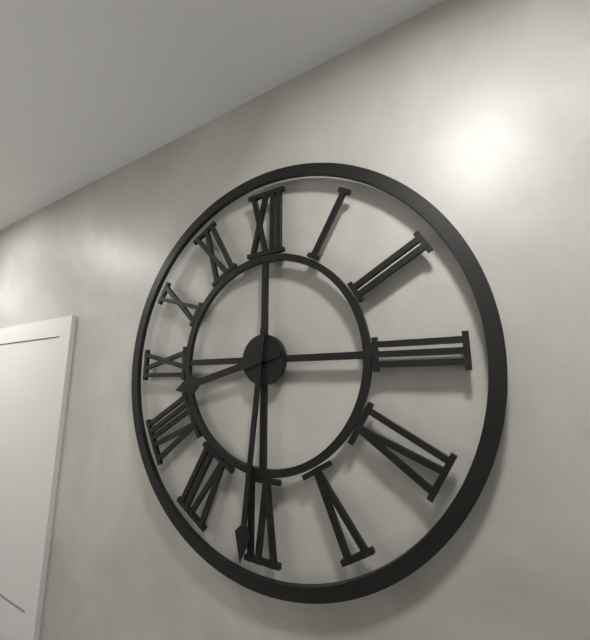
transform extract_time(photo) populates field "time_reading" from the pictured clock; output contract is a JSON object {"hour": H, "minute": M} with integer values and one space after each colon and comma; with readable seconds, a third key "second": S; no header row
{"hour": 8, "minute": 31}
